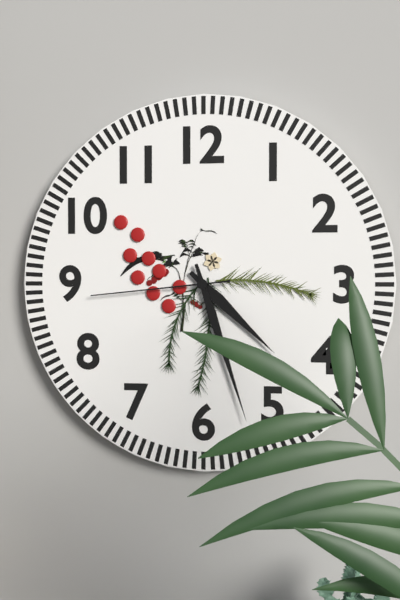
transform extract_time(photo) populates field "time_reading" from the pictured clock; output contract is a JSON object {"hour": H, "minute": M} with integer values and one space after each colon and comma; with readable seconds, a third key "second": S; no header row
{"hour": 4, "minute": 27, "second": 44}
